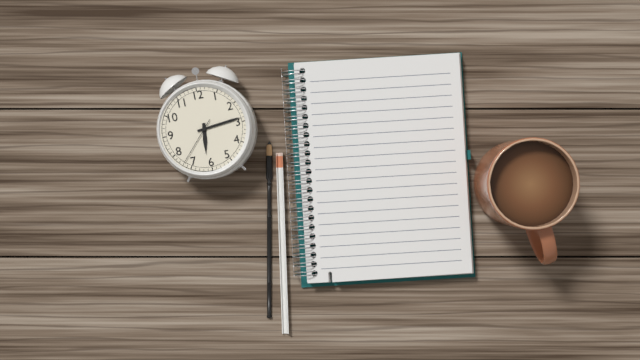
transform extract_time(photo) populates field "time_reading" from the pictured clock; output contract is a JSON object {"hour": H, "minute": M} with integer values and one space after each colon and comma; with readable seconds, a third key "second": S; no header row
{"hour": 6, "minute": 14}
